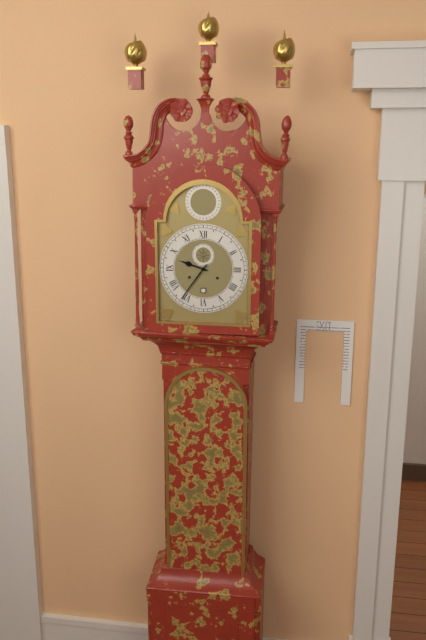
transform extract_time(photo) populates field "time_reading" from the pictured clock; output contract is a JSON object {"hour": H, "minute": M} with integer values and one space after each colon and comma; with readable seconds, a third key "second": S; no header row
{"hour": 9, "minute": 36}
